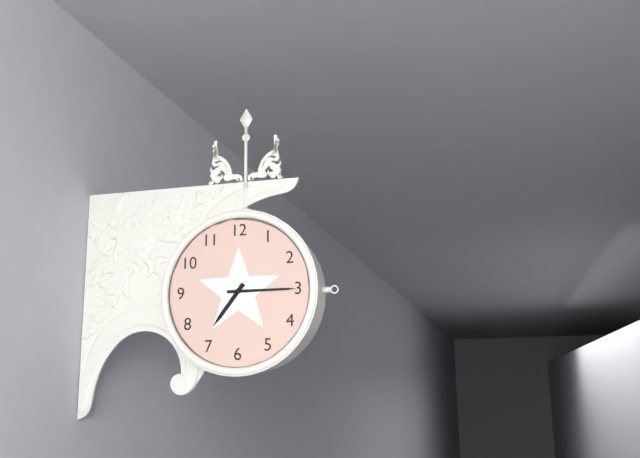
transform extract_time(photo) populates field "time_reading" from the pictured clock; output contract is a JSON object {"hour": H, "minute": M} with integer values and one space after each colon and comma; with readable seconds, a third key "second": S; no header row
{"hour": 7, "minute": 15}
